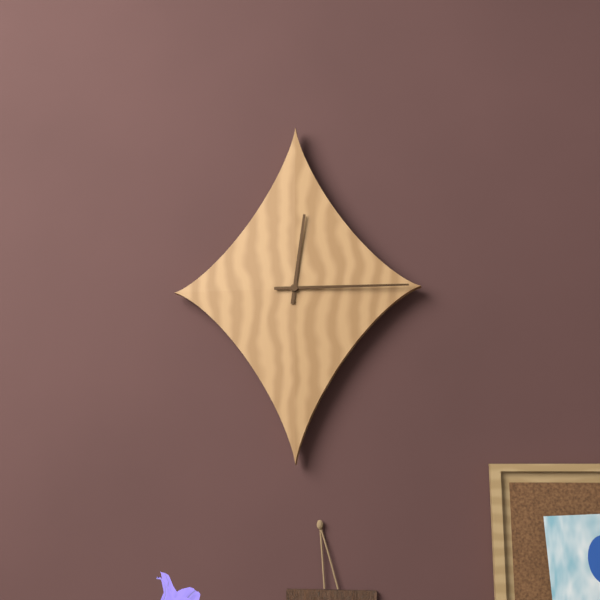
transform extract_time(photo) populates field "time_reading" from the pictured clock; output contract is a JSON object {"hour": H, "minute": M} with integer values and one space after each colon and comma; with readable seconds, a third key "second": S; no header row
{"hour": 12, "minute": 15}
